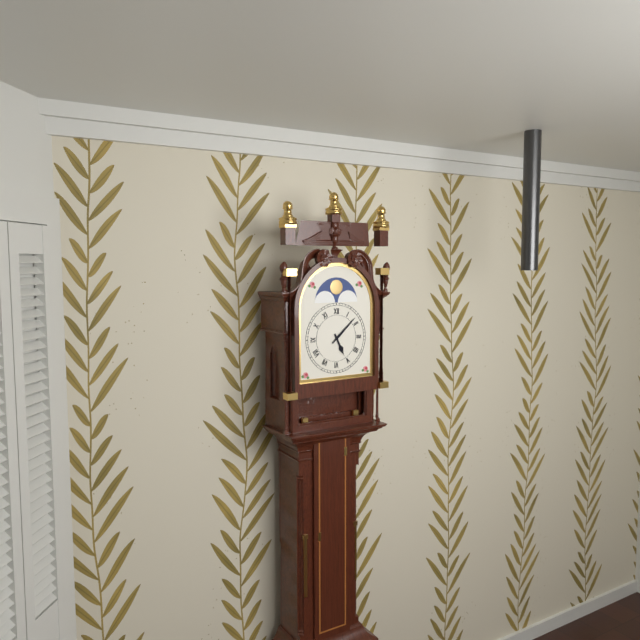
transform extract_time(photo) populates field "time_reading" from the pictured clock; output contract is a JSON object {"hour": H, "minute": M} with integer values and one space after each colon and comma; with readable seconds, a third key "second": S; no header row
{"hour": 5, "minute": 8}
